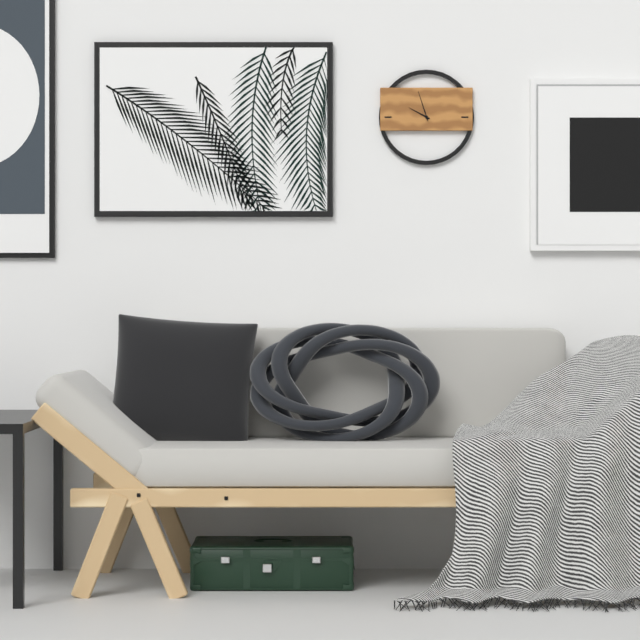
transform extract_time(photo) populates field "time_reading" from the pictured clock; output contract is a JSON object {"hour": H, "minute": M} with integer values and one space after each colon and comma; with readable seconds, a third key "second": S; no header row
{"hour": 9, "minute": 57}
